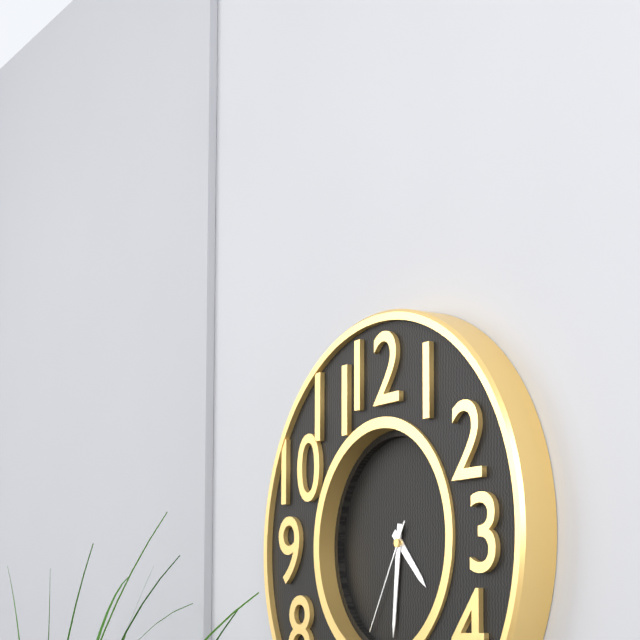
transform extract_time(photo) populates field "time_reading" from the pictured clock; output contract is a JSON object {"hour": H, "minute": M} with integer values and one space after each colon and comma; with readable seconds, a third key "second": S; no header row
{"hour": 4, "minute": 31, "second": 35}
